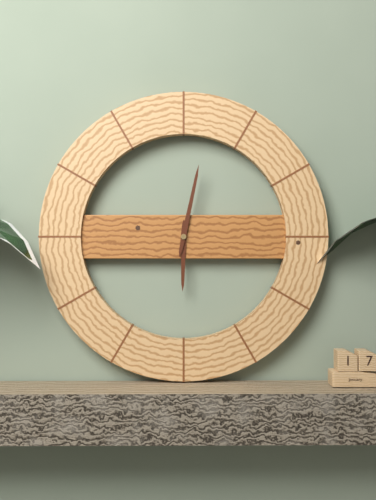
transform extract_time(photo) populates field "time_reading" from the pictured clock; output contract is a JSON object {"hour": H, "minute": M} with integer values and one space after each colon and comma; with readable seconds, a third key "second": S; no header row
{"hour": 6, "minute": 2}
